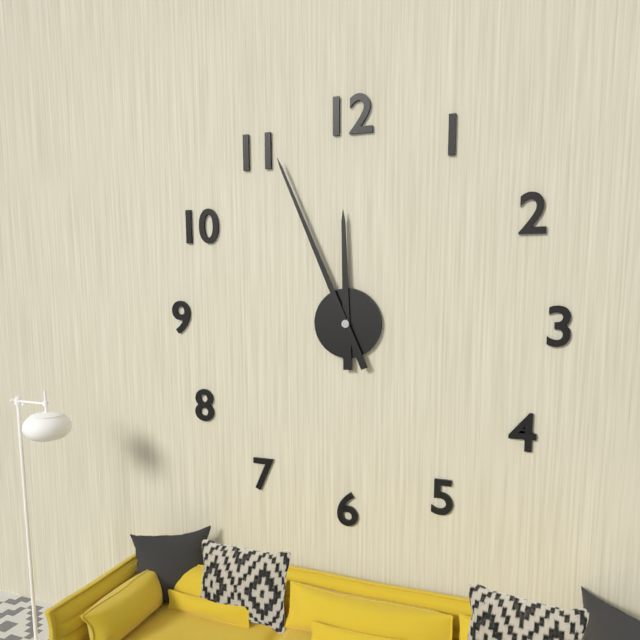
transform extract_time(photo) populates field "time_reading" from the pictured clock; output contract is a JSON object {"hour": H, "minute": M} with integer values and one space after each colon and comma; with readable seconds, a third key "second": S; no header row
{"hour": 11, "minute": 56}
